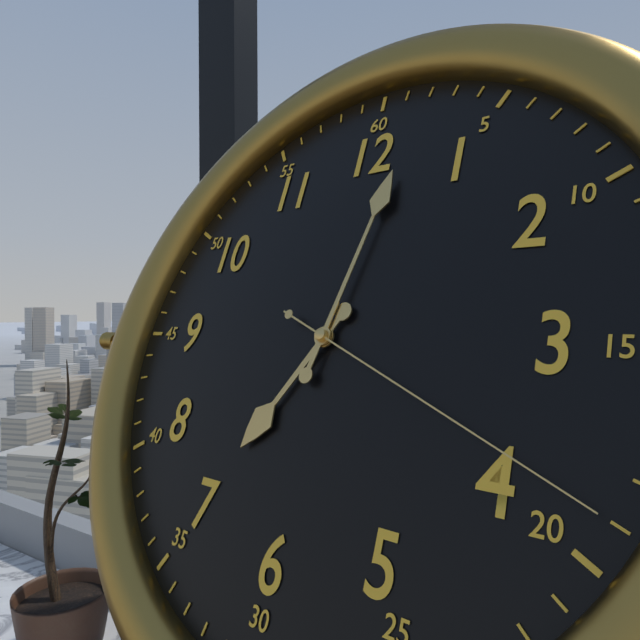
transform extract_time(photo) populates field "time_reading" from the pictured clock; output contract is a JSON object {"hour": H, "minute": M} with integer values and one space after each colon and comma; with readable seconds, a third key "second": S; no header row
{"hour": 7, "minute": 2, "second": 19}
